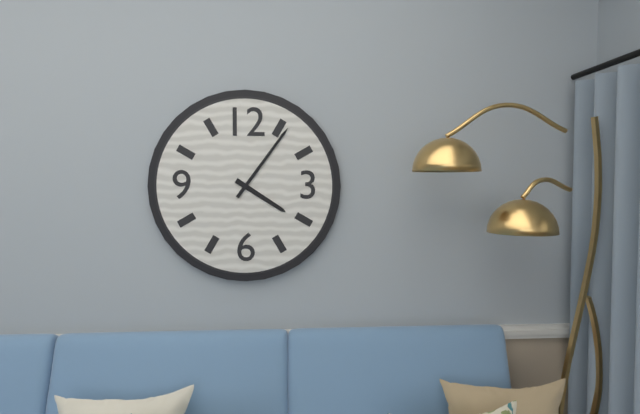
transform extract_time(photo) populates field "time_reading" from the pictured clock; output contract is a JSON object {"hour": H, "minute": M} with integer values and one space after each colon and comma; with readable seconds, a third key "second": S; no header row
{"hour": 4, "minute": 6}
